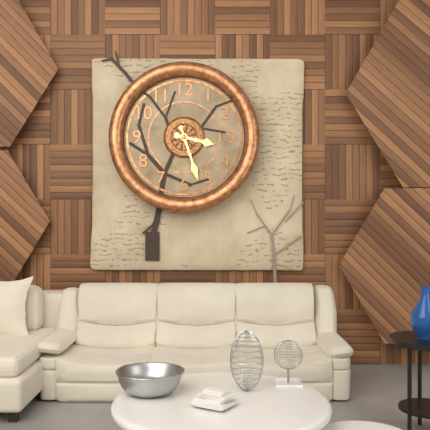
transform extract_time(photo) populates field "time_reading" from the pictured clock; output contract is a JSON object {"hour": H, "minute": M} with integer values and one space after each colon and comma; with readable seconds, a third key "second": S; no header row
{"hour": 3, "minute": 27}
